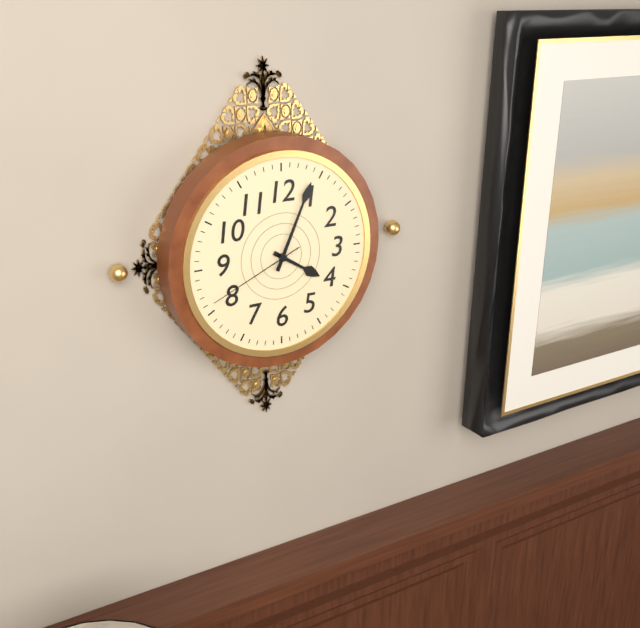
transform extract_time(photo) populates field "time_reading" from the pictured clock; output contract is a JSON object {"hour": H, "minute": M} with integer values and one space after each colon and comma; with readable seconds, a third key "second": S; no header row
{"hour": 4, "minute": 4, "second": 41}
